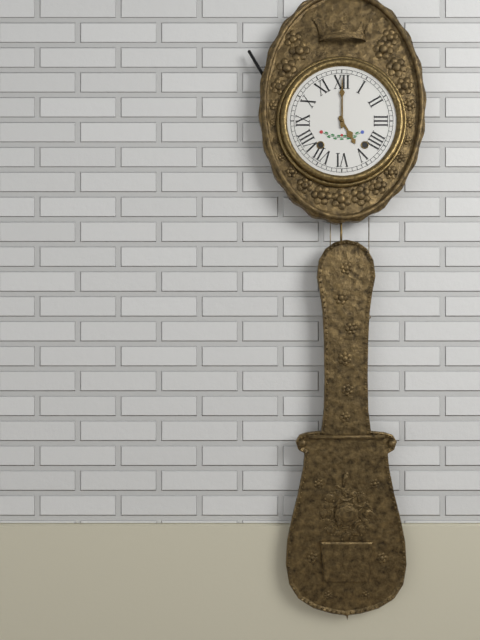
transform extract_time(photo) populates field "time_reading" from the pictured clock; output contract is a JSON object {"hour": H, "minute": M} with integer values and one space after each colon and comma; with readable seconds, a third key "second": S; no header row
{"hour": 5, "minute": 0}
